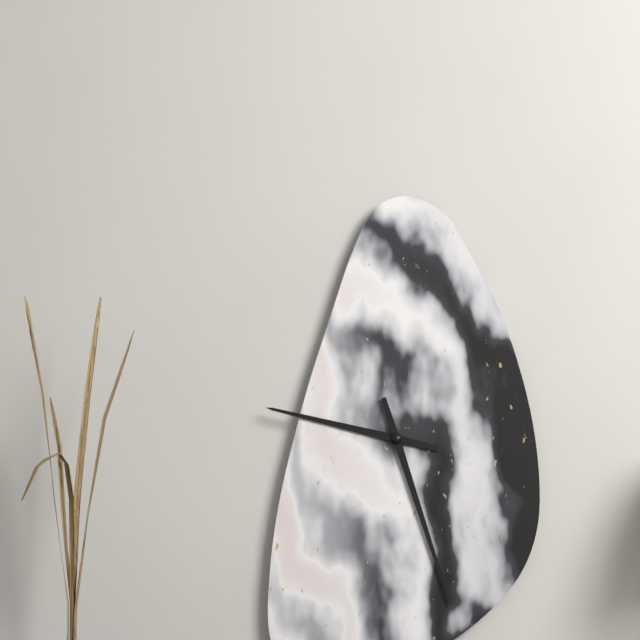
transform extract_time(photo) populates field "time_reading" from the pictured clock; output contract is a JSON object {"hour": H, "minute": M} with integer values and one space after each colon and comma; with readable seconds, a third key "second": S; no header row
{"hour": 9, "minute": 27}
